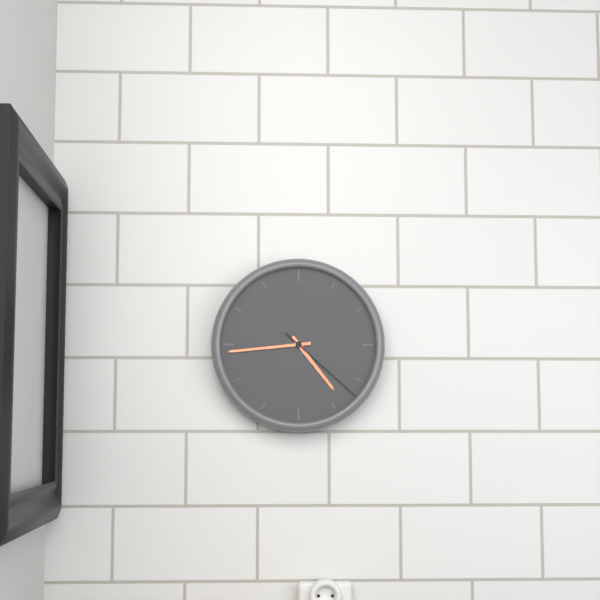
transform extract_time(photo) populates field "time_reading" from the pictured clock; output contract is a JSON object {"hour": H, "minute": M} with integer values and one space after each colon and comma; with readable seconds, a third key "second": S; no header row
{"hour": 4, "minute": 44, "second": 22}
